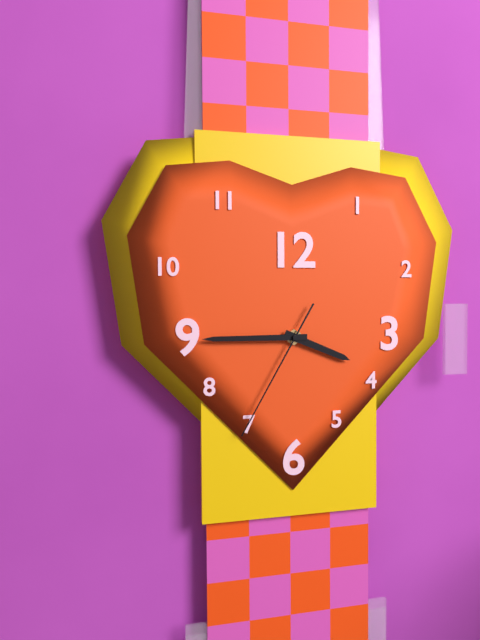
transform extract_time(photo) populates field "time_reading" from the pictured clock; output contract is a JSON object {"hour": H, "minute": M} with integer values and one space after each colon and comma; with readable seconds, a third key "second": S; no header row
{"hour": 3, "minute": 45, "second": 35}
